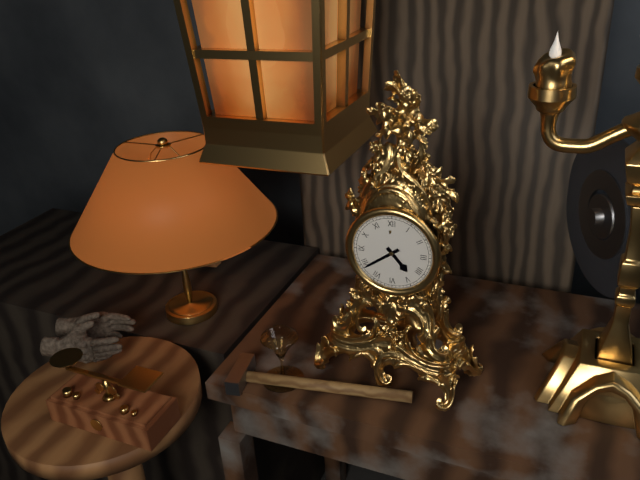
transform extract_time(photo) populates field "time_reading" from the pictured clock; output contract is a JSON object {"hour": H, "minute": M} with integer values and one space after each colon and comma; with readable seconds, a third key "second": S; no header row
{"hour": 4, "minute": 39}
